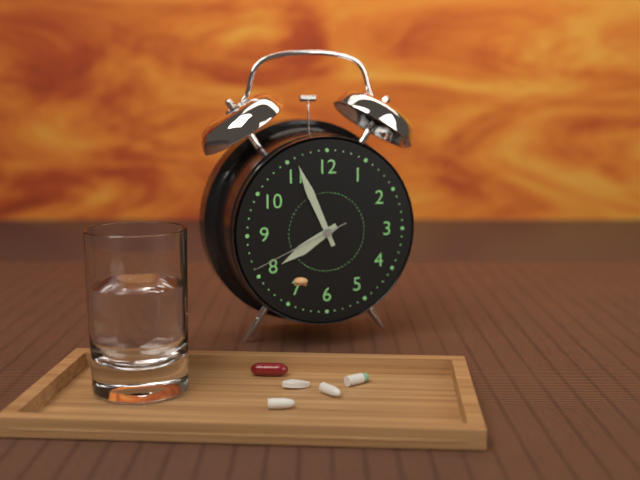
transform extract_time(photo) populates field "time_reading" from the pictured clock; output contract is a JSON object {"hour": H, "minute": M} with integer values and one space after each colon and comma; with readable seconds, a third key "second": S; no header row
{"hour": 7, "minute": 56, "second": 41}
